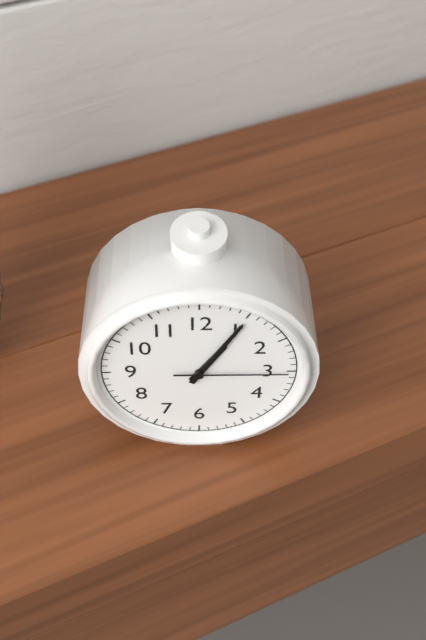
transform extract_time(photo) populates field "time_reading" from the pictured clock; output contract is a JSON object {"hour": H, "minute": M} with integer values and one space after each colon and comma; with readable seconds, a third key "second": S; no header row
{"hour": 1, "minute": 5, "second": 15}
